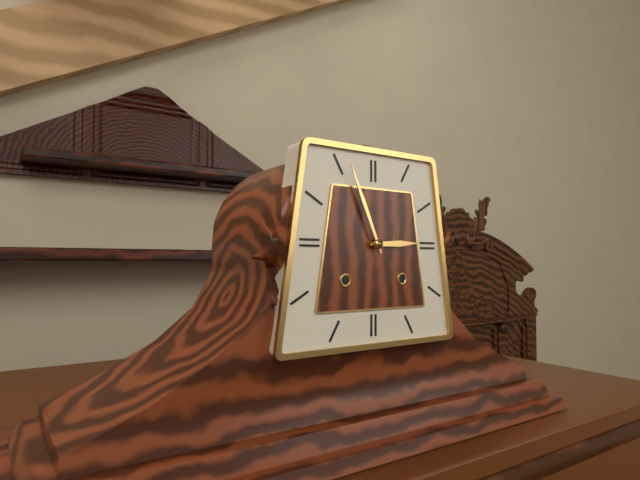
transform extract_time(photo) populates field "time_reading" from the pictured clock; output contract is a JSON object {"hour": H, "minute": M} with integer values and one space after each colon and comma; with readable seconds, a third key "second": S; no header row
{"hour": 2, "minute": 56}
